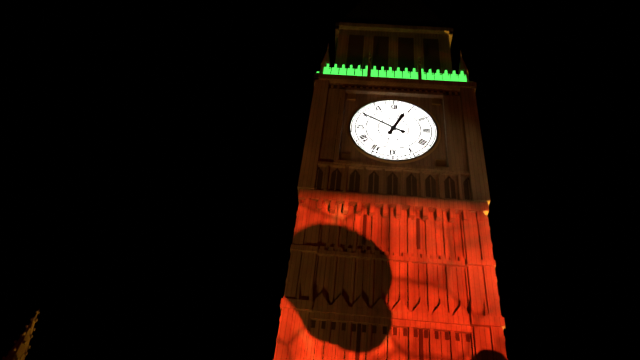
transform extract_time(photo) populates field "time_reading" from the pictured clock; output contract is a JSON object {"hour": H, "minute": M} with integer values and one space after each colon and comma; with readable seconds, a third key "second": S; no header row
{"hour": 12, "minute": 50}
